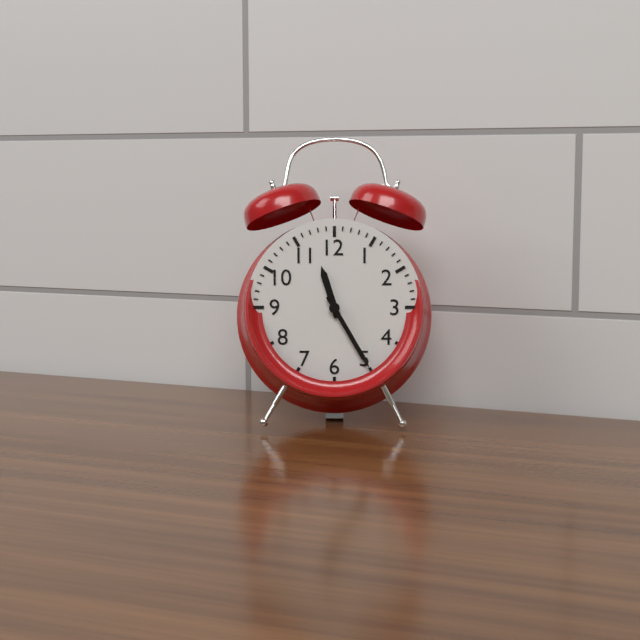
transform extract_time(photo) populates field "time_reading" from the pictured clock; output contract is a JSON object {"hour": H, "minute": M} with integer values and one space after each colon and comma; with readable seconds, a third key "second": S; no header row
{"hour": 11, "minute": 25}
